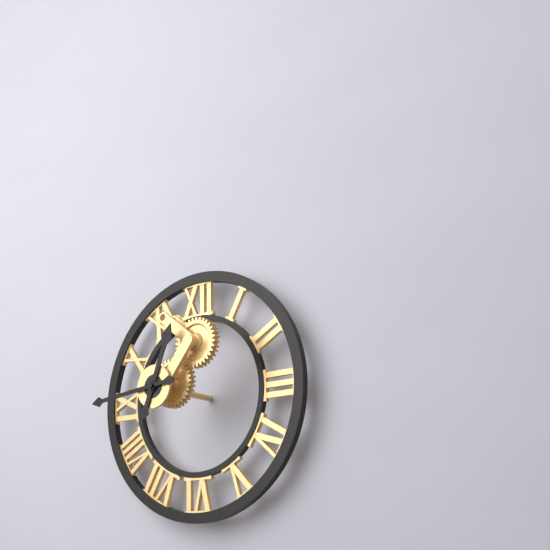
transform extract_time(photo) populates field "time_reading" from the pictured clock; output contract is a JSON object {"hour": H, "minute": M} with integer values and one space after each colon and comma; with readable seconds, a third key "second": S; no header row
{"hour": 12, "minute": 44}
